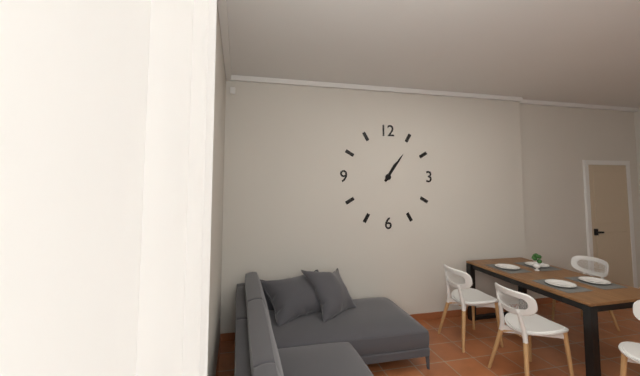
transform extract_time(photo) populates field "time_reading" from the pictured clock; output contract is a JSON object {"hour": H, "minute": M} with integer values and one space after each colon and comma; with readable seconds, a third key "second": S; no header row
{"hour": 1, "minute": 6}
